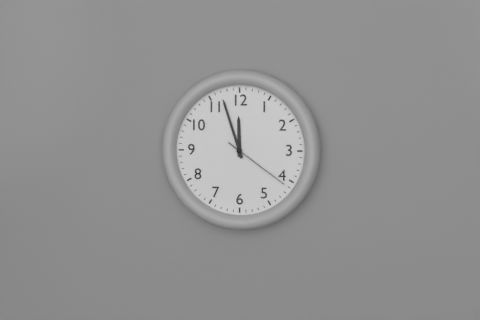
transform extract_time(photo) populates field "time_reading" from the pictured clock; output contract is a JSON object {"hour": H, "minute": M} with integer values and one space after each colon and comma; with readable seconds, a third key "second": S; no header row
{"hour": 11, "minute": 57, "second": 21}
